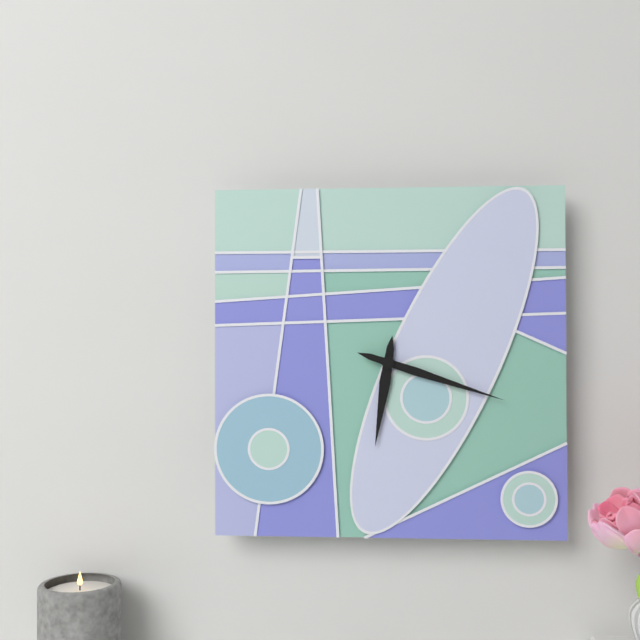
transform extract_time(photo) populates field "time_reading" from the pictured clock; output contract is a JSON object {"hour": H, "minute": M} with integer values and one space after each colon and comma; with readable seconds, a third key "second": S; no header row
{"hour": 6, "minute": 18}
